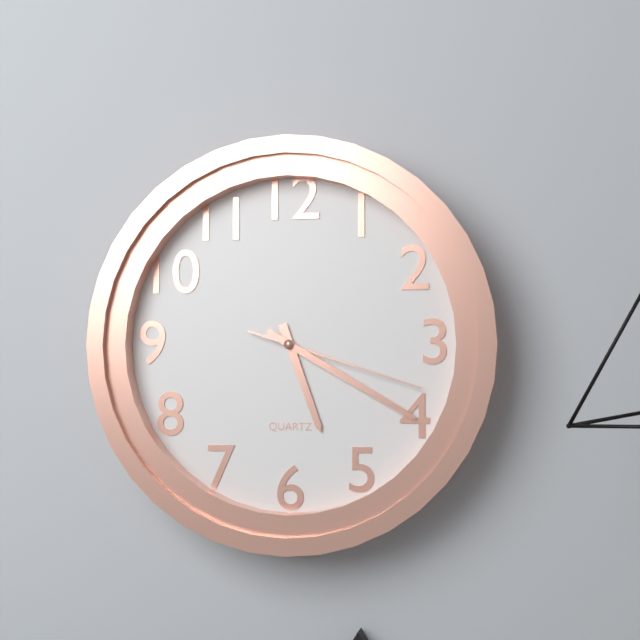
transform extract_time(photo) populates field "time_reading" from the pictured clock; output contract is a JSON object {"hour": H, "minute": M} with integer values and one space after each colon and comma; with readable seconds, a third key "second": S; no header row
{"hour": 5, "minute": 20, "second": 18}
